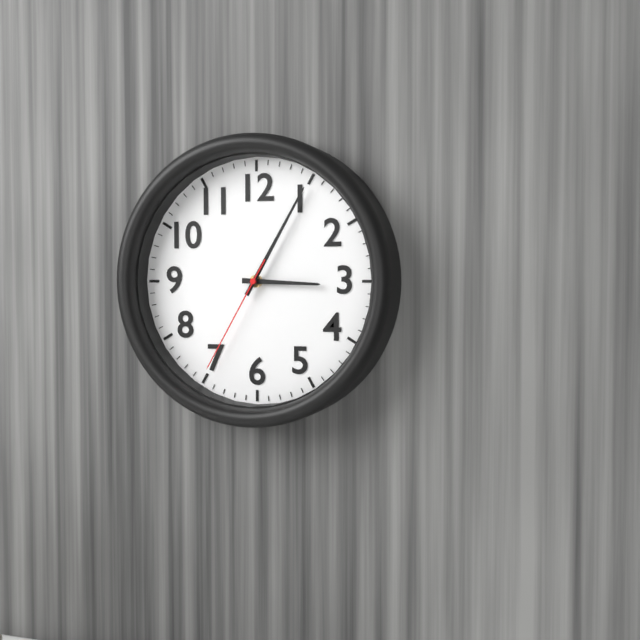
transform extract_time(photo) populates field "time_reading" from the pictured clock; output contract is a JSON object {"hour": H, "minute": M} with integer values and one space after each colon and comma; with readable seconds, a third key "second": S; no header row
{"hour": 3, "minute": 5, "second": 35}
